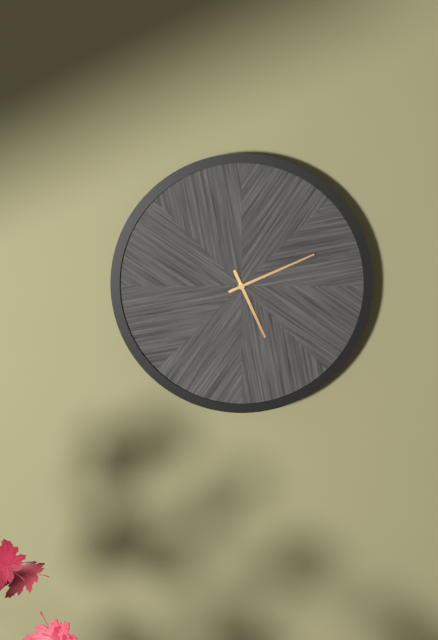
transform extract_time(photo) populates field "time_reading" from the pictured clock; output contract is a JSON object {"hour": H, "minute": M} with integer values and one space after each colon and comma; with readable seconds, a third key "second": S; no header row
{"hour": 5, "minute": 11}
